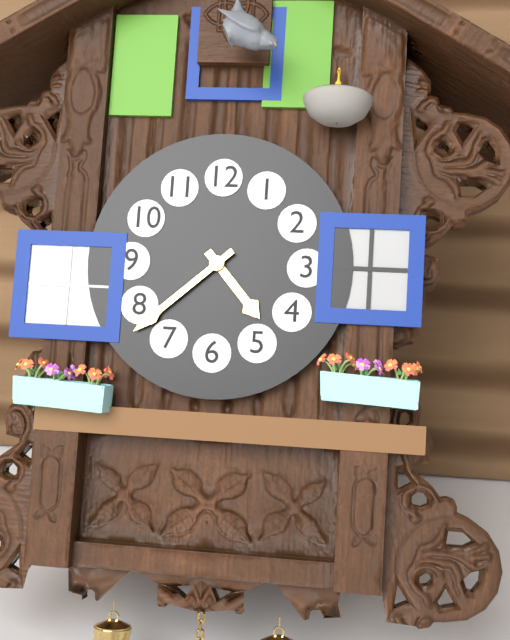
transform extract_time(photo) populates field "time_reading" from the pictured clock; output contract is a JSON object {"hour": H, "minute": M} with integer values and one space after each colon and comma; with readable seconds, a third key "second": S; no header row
{"hour": 4, "minute": 38}
